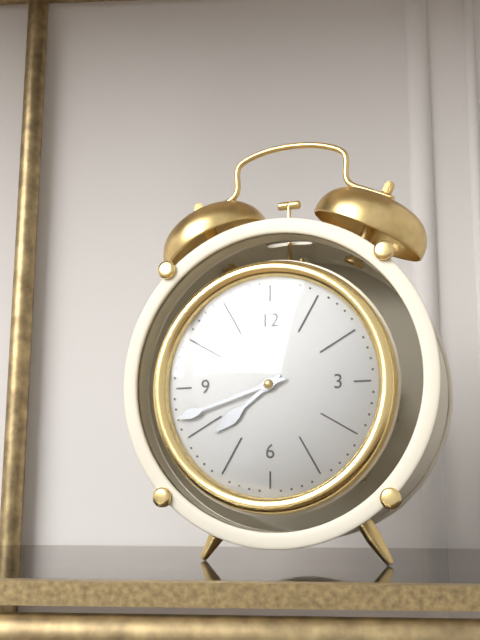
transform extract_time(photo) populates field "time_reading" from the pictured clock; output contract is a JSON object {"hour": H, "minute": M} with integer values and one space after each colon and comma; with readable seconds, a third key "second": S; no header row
{"hour": 7, "minute": 42}
